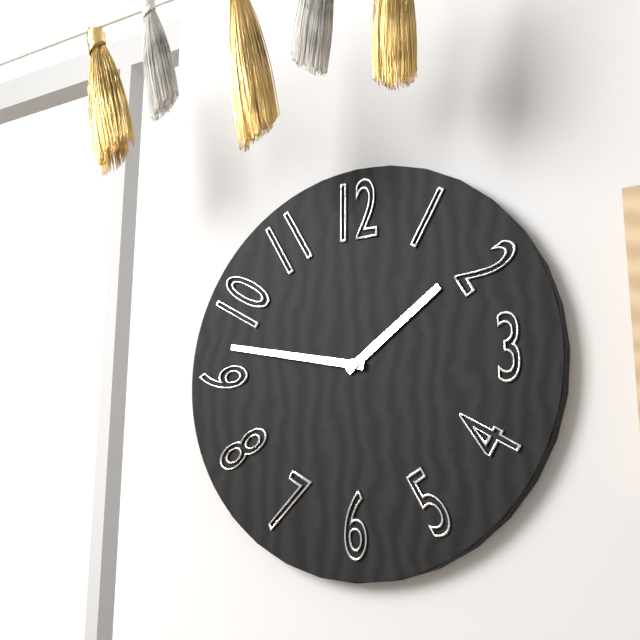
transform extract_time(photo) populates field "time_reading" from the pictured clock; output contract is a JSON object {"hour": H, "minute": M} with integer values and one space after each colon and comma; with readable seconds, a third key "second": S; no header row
{"hour": 1, "minute": 47}
